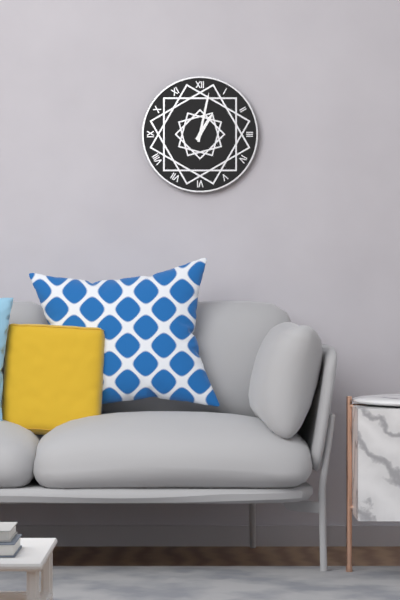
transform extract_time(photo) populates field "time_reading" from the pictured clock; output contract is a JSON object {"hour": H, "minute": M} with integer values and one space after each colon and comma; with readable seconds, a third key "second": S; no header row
{"hour": 1, "minute": 2}
